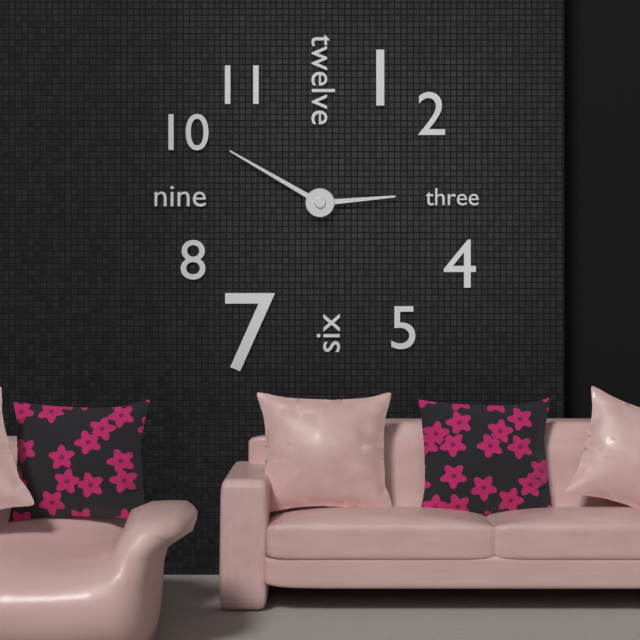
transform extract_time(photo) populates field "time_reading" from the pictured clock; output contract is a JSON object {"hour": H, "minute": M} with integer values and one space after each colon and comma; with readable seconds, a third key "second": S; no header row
{"hour": 2, "minute": 50}
